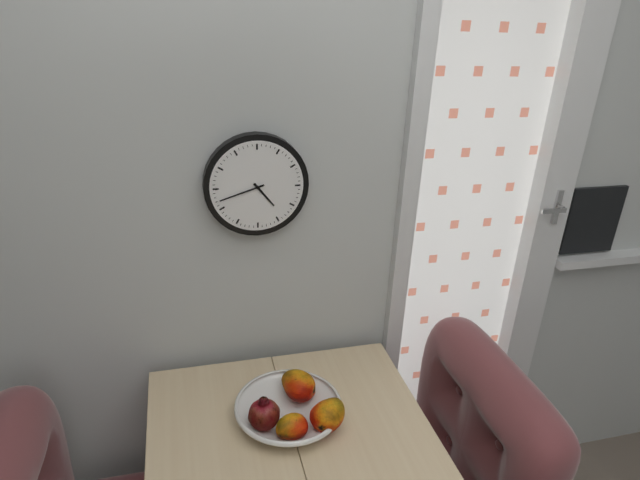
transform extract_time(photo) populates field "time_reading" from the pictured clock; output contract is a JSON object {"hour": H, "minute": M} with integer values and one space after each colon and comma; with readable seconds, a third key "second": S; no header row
{"hour": 4, "minute": 42}
